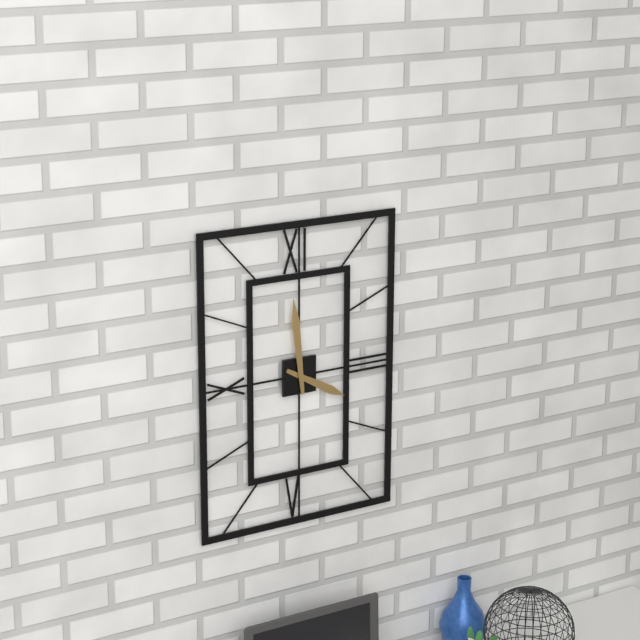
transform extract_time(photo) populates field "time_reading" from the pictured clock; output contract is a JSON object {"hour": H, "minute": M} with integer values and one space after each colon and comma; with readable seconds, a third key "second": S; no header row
{"hour": 3, "minute": 59}
